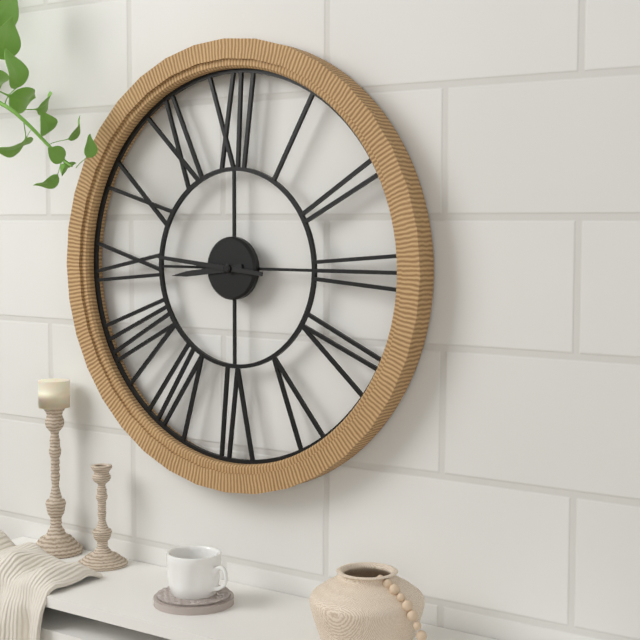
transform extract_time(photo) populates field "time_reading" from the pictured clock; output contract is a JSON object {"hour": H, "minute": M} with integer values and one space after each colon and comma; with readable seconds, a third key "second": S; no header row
{"hour": 8, "minute": 46}
